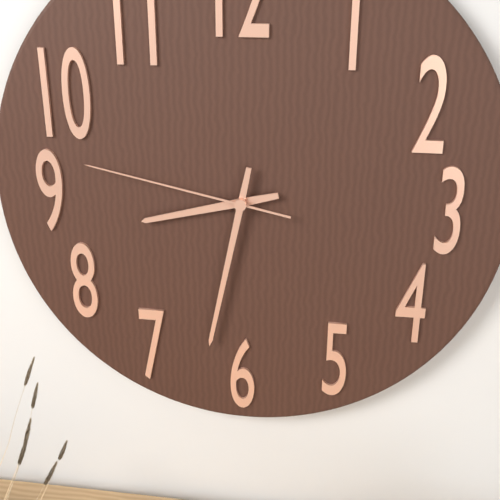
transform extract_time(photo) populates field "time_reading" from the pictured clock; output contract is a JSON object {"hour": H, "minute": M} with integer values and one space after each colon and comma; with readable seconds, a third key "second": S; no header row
{"hour": 8, "minute": 32, "second": 47}
